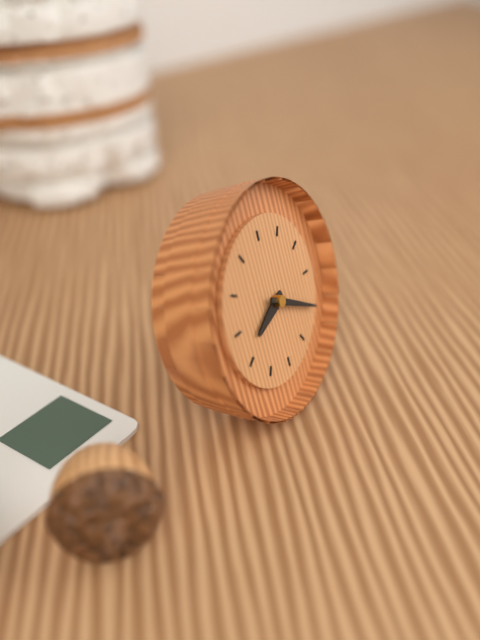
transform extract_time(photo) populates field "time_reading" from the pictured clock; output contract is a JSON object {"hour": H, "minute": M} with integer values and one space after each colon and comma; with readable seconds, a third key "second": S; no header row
{"hour": 8, "minute": 20}
